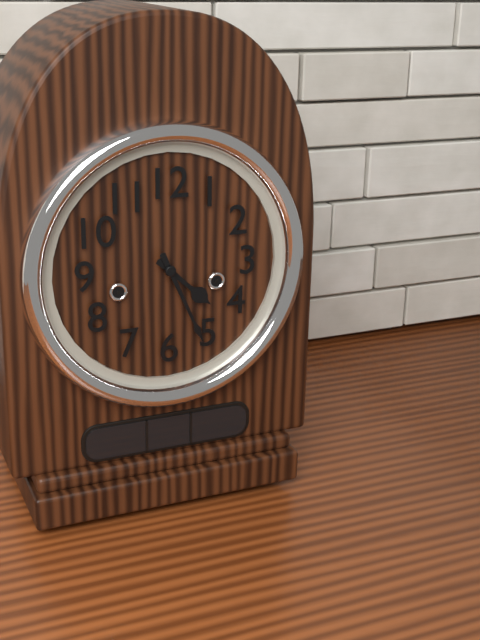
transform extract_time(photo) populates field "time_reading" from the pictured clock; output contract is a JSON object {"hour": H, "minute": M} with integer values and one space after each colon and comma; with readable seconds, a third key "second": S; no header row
{"hour": 4, "minute": 26}
